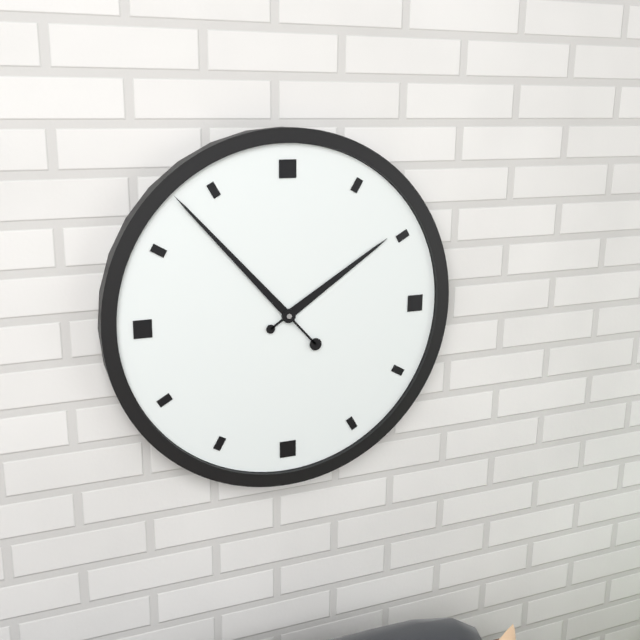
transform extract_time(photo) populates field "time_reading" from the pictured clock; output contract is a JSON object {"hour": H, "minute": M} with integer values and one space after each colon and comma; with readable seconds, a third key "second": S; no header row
{"hour": 1, "minute": 53}
